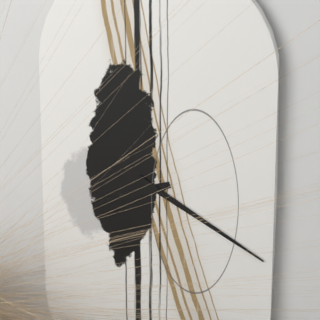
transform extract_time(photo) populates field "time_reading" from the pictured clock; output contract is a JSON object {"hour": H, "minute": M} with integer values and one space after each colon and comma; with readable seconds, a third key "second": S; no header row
{"hour": 8, "minute": 20}
